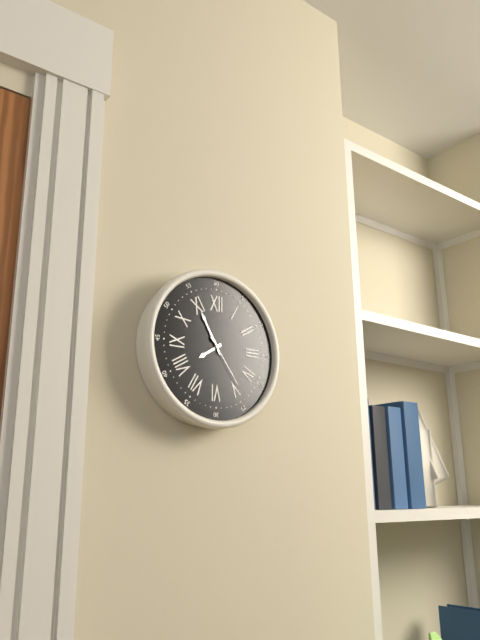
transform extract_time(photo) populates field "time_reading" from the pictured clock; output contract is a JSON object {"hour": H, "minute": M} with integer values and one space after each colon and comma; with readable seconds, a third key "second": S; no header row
{"hour": 7, "minute": 55, "second": 24}
